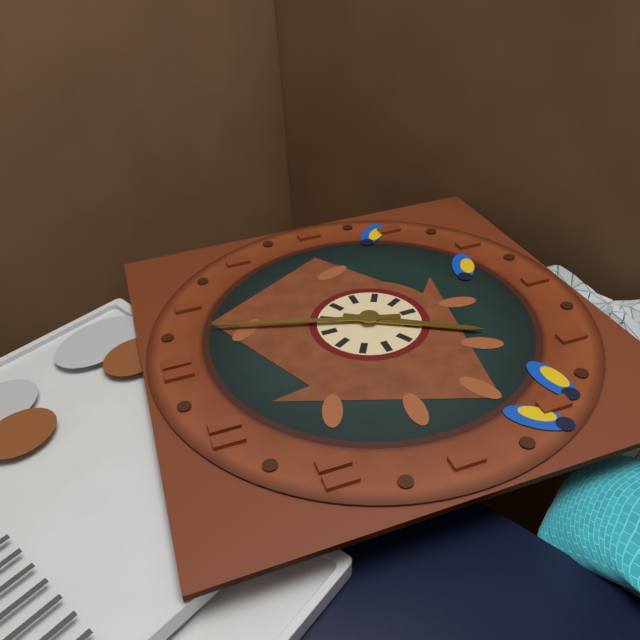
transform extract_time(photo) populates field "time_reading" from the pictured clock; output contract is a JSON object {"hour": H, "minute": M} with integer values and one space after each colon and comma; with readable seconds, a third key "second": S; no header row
{"hour": 7, "minute": 3}
